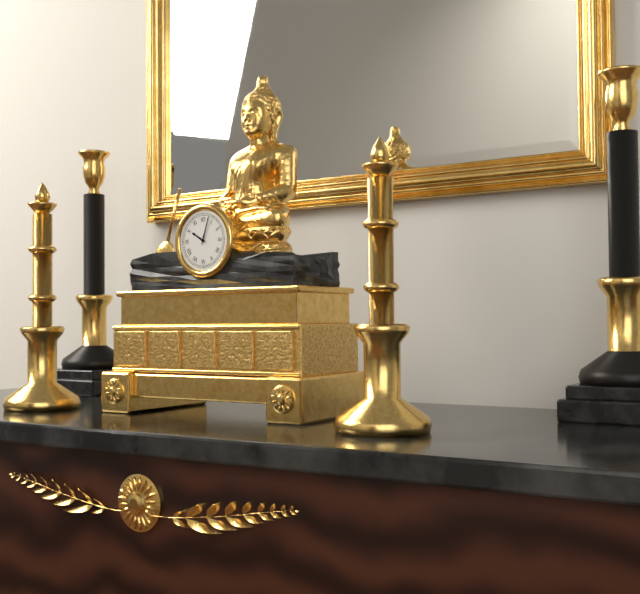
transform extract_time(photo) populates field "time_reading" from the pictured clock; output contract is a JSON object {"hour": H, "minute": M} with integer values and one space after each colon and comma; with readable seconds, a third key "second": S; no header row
{"hour": 10, "minute": 3}
